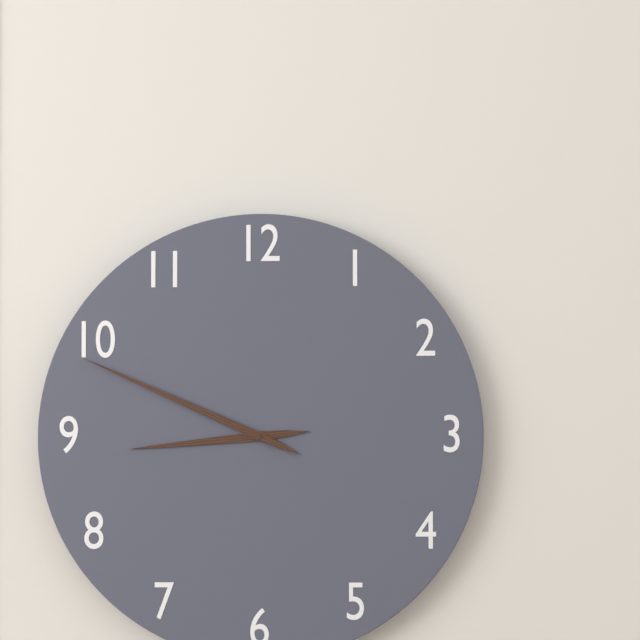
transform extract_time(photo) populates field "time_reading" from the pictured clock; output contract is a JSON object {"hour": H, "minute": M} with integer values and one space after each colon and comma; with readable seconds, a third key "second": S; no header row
{"hour": 8, "minute": 49}
